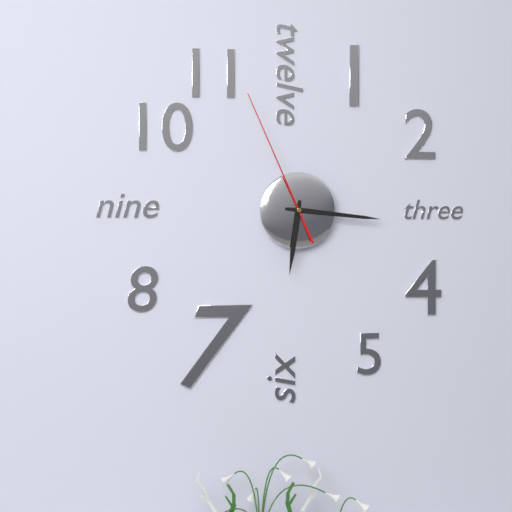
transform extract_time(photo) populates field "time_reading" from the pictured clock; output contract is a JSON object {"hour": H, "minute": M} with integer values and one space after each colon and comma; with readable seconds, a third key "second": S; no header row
{"hour": 6, "minute": 16, "second": 56}
